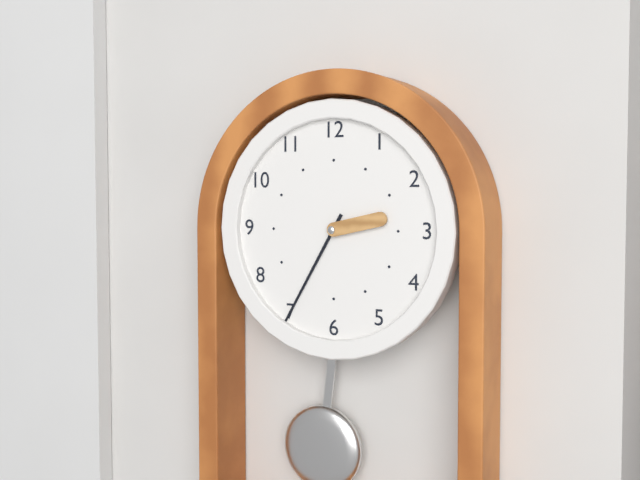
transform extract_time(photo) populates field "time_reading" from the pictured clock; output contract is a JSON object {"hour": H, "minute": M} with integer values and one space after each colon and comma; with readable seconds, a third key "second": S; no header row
{"hour": 2, "minute": 35}
